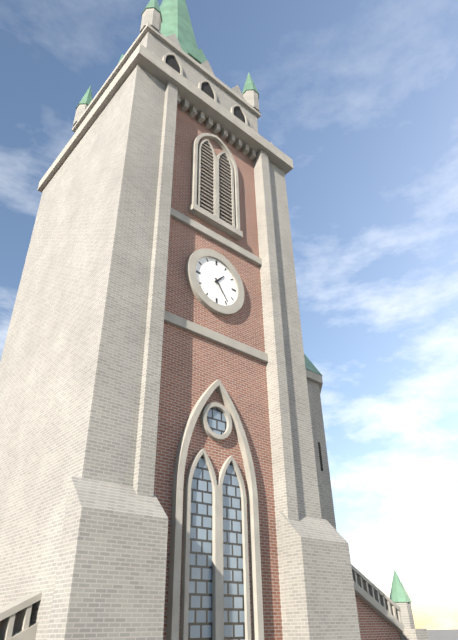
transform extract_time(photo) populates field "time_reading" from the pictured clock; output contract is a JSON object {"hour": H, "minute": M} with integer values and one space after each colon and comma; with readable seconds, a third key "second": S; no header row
{"hour": 1, "minute": 24}
